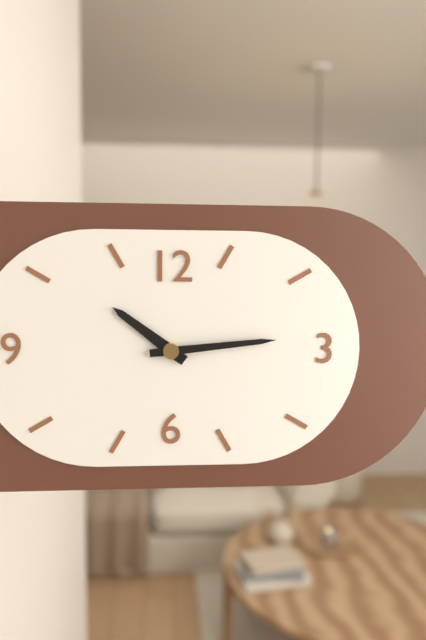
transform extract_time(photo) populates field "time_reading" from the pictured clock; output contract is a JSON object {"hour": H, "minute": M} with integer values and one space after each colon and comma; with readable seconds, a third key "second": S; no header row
{"hour": 10, "minute": 14}
